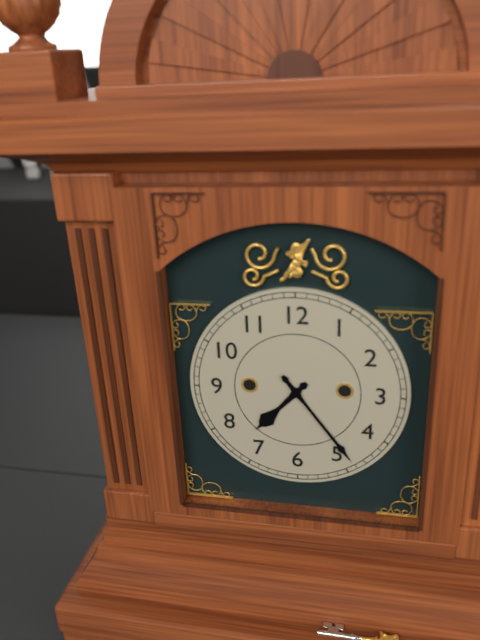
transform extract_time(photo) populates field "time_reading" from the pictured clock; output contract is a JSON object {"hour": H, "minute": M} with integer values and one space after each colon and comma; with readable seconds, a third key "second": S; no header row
{"hour": 7, "minute": 24}
